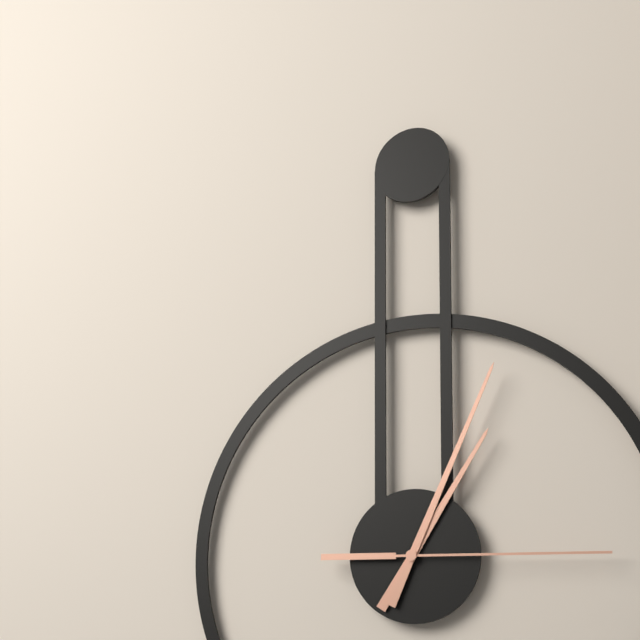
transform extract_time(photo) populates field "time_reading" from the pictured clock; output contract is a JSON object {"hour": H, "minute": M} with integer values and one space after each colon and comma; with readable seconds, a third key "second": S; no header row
{"hour": 1, "minute": 4, "second": 15}
